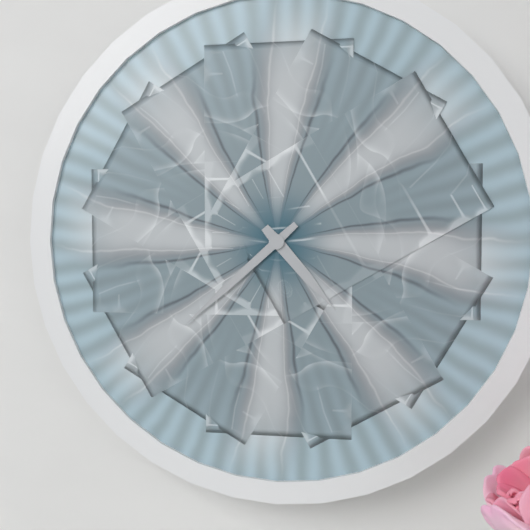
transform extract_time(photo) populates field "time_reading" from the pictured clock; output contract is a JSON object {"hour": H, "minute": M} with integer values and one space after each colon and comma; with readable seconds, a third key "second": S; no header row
{"hour": 4, "minute": 38}
